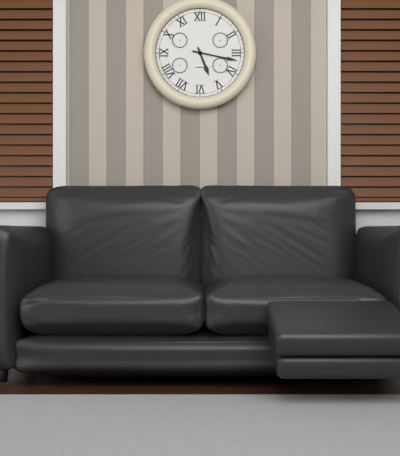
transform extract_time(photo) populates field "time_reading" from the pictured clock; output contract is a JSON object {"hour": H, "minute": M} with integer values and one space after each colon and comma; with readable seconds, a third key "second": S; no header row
{"hour": 5, "minute": 17}
